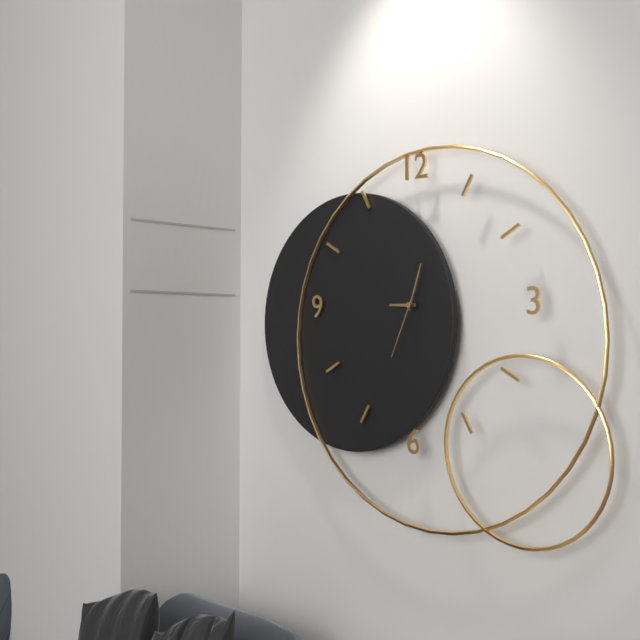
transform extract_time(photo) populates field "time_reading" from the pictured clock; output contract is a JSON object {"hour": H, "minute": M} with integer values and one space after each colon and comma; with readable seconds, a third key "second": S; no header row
{"hour": 9, "minute": 3, "second": 34}
